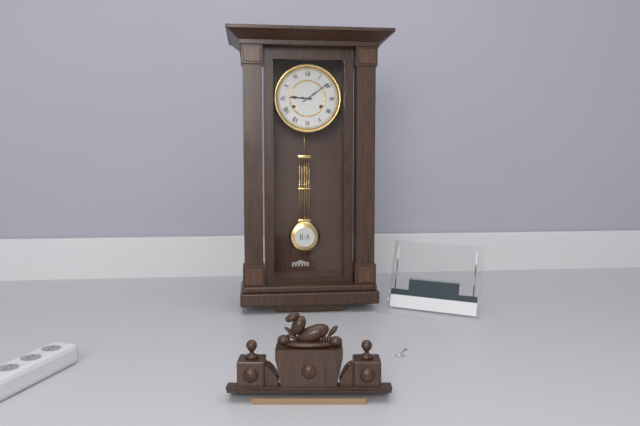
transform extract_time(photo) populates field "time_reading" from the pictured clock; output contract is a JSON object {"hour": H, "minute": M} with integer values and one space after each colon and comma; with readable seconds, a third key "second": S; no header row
{"hour": 9, "minute": 9}
